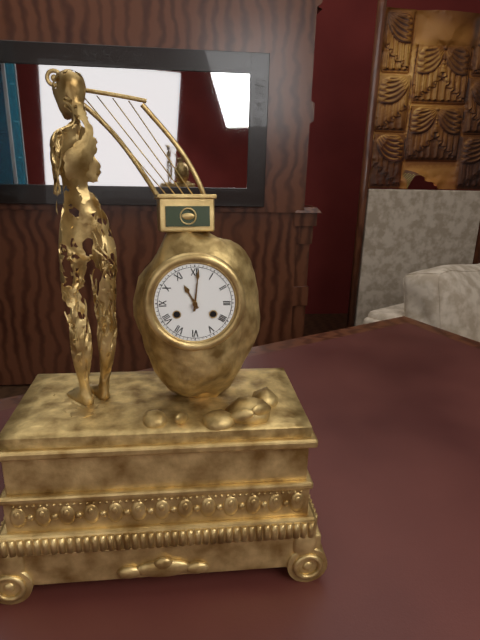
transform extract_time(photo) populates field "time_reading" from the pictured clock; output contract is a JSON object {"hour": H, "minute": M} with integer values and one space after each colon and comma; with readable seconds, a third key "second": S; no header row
{"hour": 11, "minute": 1}
